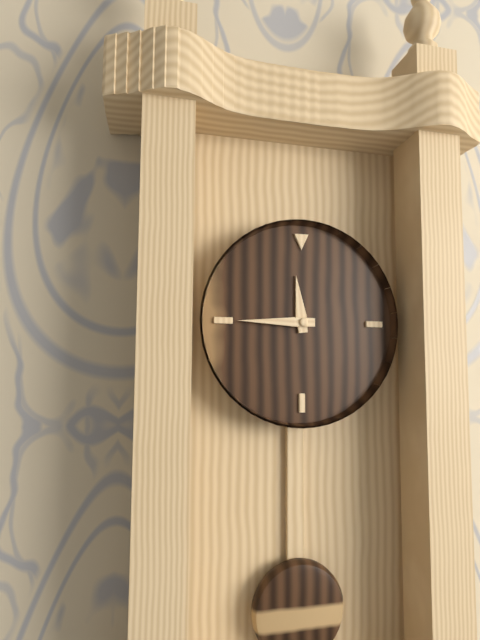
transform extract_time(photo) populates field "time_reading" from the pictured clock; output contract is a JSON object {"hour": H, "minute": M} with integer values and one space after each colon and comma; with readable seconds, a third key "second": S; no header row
{"hour": 11, "minute": 45}
